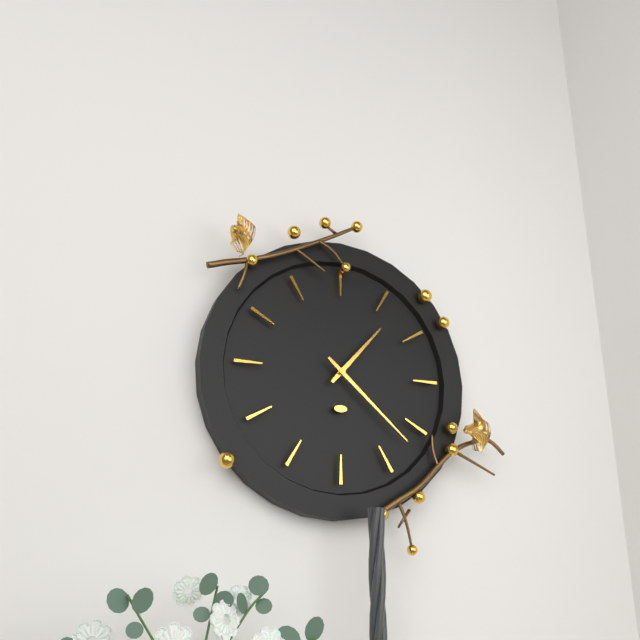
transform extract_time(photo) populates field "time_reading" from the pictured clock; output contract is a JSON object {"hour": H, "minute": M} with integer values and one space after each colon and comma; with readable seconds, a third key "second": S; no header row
{"hour": 1, "minute": 22}
